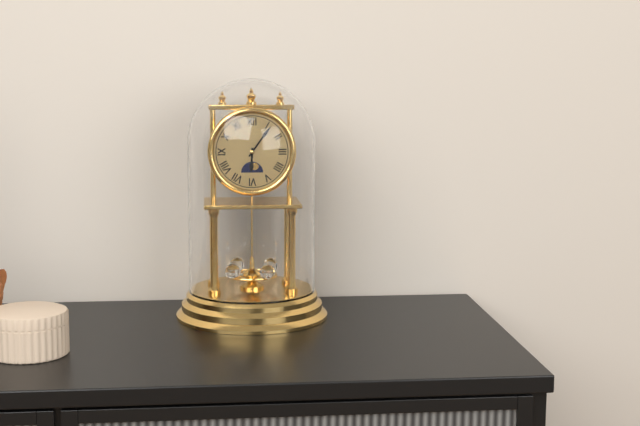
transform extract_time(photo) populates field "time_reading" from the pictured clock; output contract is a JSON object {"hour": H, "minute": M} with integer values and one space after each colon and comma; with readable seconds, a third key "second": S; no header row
{"hour": 6, "minute": 6}
